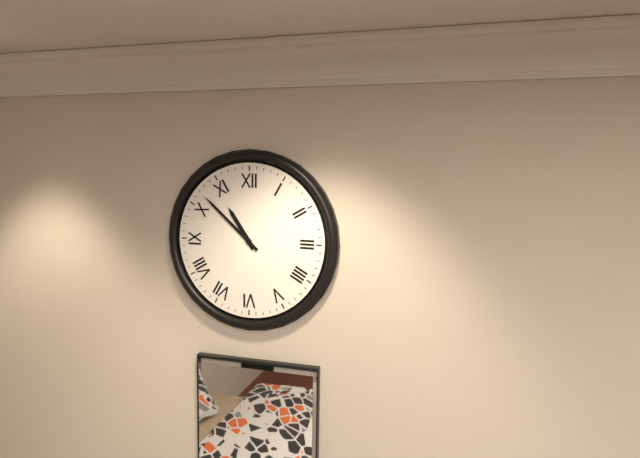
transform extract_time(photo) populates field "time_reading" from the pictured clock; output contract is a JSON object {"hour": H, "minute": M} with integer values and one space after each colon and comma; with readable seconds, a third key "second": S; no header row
{"hour": 10, "minute": 52}
